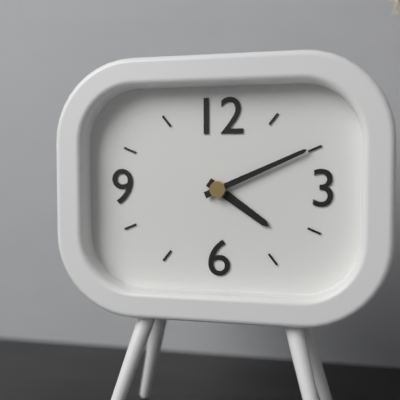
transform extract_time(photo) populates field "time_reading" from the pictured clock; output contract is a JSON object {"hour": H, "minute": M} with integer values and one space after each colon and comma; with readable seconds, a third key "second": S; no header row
{"hour": 4, "minute": 11}
